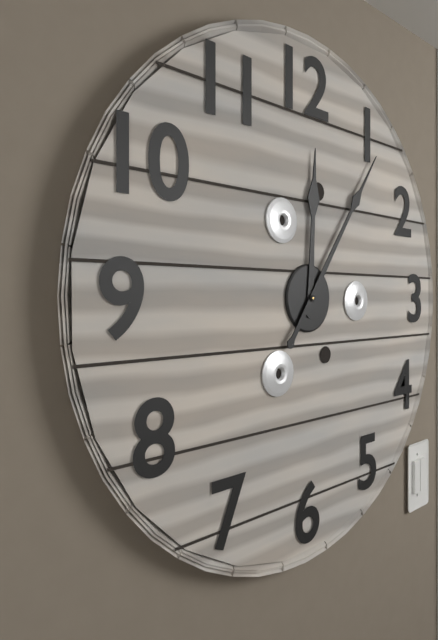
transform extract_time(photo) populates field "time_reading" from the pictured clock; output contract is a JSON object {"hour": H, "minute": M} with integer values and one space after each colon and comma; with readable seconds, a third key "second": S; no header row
{"hour": 12, "minute": 6}
